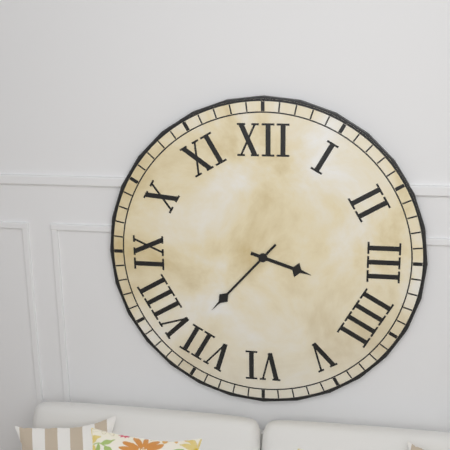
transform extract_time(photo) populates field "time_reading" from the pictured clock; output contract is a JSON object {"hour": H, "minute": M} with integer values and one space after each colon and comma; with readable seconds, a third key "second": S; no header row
{"hour": 3, "minute": 37}
